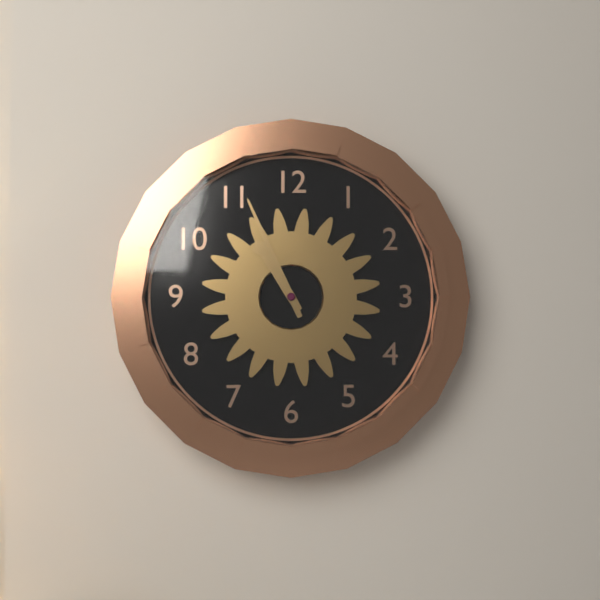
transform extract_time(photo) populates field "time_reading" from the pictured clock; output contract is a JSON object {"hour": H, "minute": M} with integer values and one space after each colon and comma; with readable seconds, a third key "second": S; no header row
{"hour": 10, "minute": 56}
